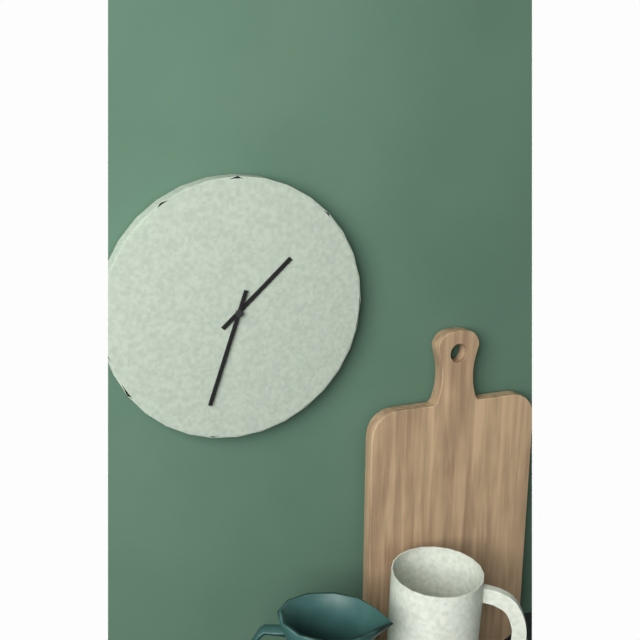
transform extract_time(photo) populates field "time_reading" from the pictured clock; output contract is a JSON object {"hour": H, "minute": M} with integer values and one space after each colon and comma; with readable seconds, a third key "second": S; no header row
{"hour": 1, "minute": 33}
